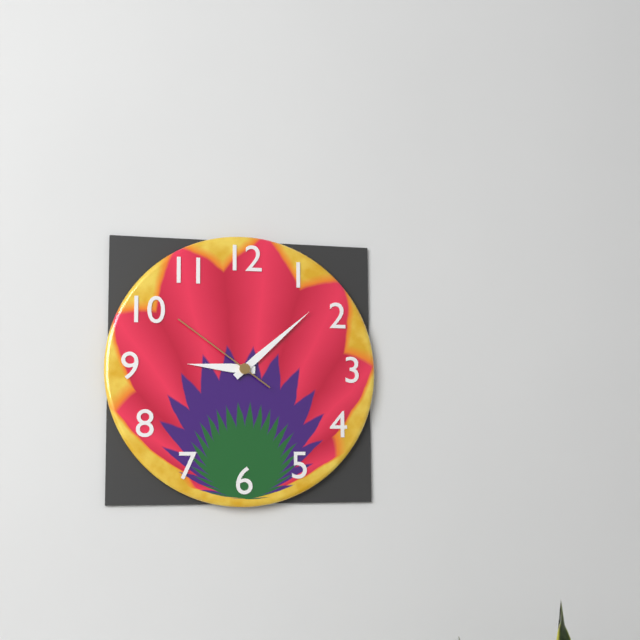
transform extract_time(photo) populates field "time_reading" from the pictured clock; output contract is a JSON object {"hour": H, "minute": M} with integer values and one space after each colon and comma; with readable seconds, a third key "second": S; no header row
{"hour": 9, "minute": 8, "second": 51}
